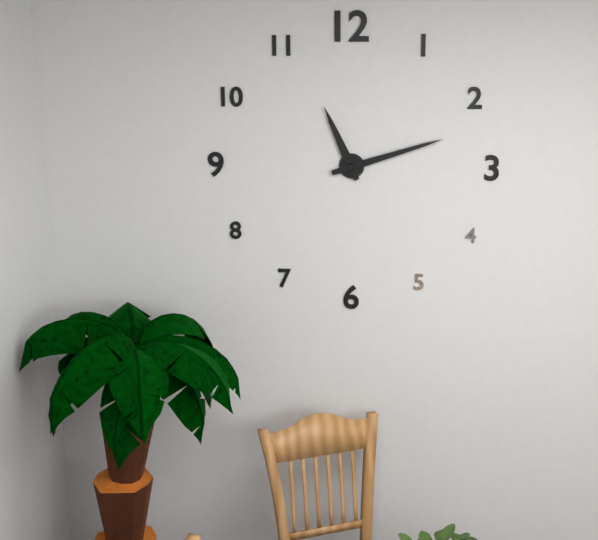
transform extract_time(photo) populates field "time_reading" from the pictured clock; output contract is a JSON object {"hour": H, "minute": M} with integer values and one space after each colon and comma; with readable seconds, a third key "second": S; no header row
{"hour": 11, "minute": 12}
